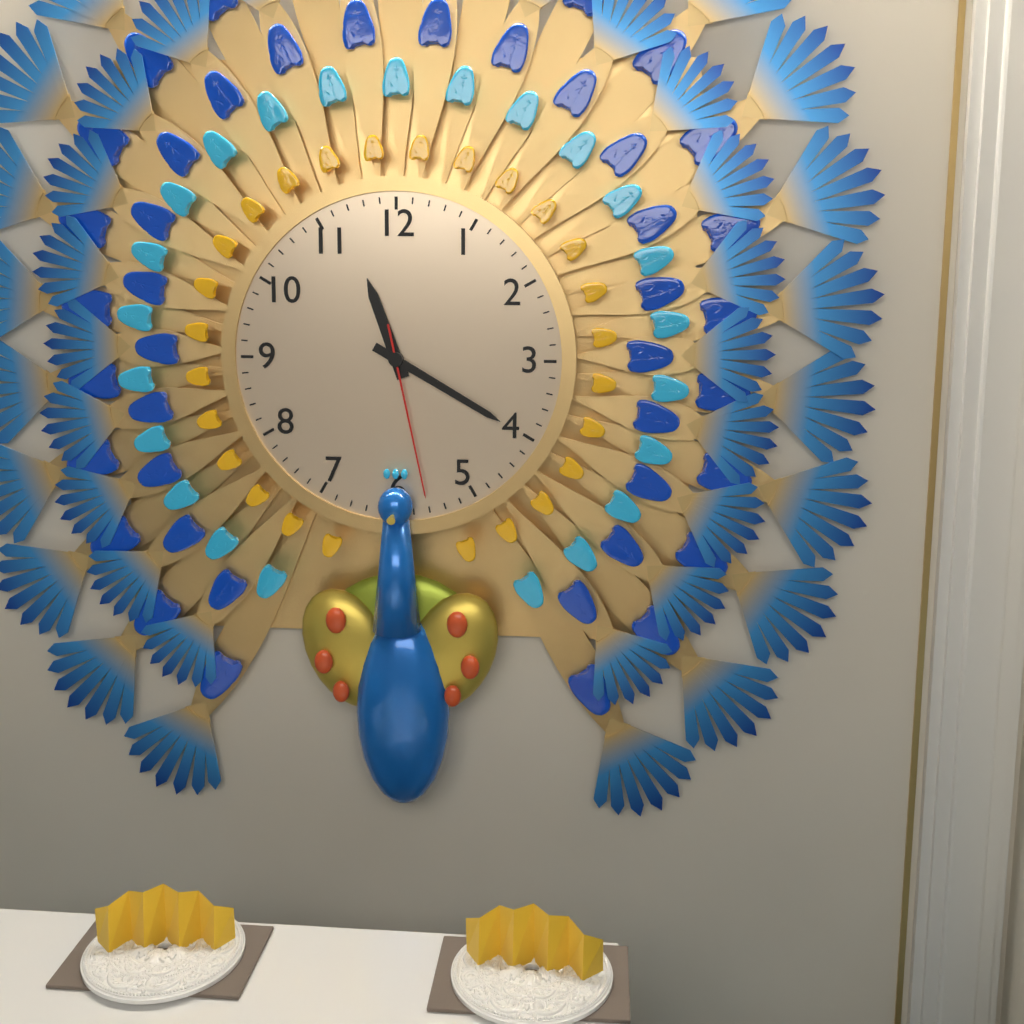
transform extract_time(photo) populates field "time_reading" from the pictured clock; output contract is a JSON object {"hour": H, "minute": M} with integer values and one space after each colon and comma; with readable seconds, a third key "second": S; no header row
{"hour": 11, "minute": 20, "second": 28}
